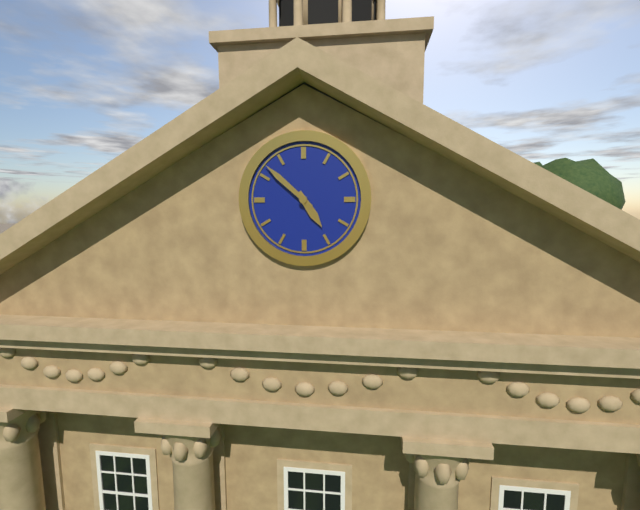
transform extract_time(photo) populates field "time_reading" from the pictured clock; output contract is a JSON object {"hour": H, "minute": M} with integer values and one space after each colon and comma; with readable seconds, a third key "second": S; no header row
{"hour": 4, "minute": 52}
